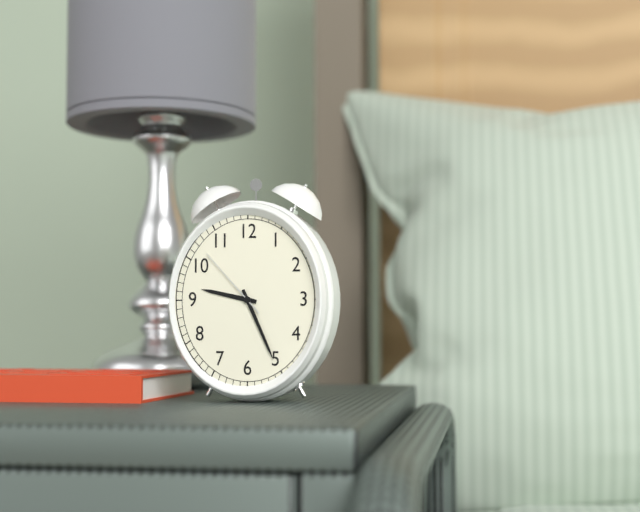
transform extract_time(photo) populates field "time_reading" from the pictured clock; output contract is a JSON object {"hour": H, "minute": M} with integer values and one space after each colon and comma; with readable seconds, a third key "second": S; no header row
{"hour": 9, "minute": 26, "second": 53}
